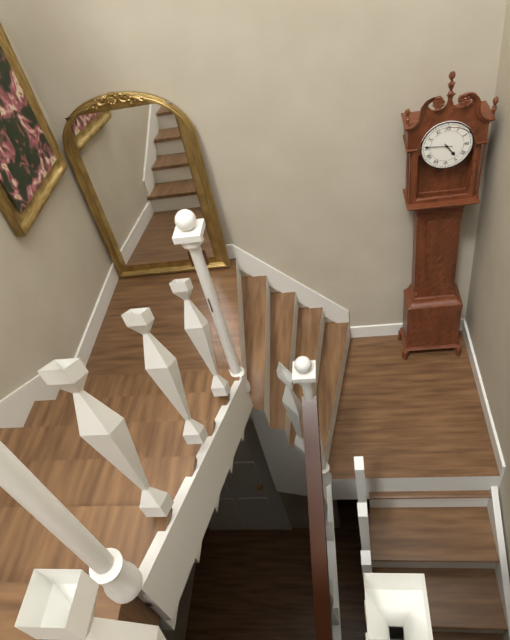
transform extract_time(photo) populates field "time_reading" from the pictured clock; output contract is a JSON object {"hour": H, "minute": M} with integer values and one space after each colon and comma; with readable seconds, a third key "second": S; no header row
{"hour": 4, "minute": 46}
